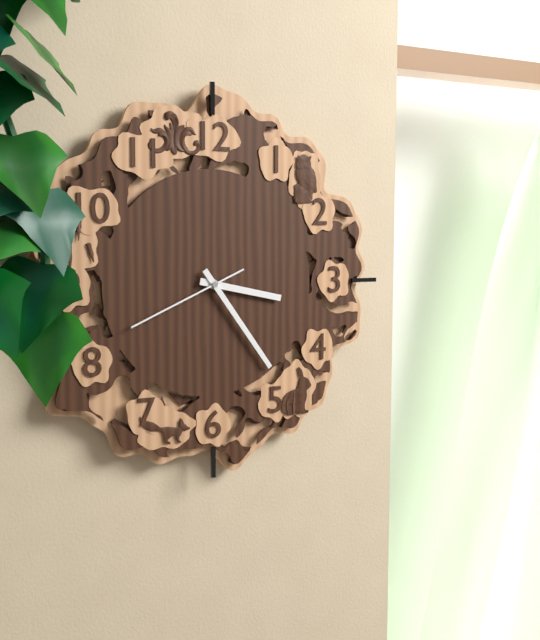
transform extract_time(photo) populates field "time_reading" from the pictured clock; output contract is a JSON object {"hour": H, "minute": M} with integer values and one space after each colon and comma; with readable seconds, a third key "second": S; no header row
{"hour": 3, "minute": 24, "second": 41}
